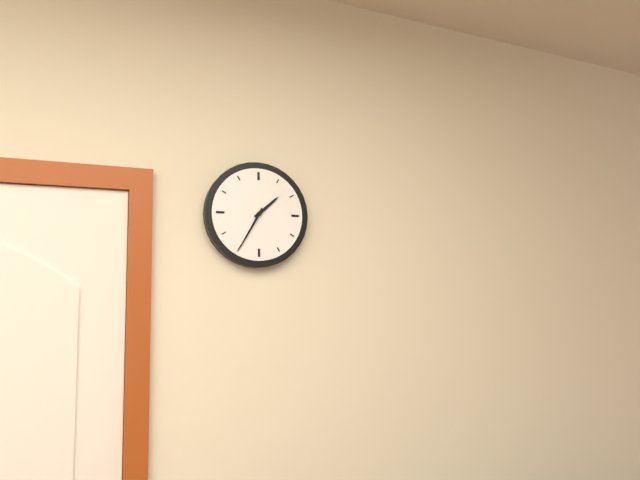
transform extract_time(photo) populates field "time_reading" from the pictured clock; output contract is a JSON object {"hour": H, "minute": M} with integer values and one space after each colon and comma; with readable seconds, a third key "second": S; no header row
{"hour": 1, "minute": 35}
